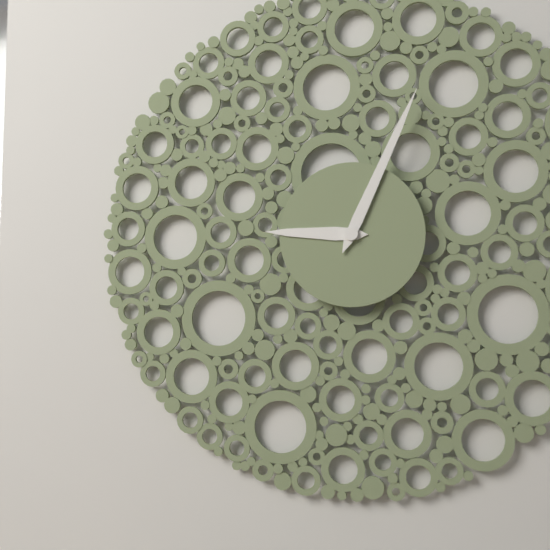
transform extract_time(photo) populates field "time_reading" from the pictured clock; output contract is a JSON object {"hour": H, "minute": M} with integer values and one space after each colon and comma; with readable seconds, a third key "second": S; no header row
{"hour": 9, "minute": 4}
